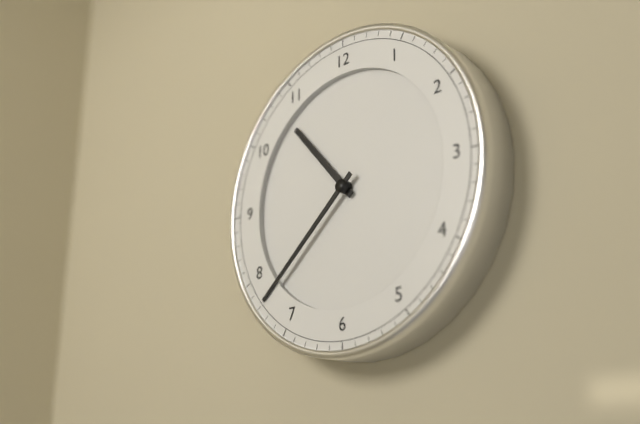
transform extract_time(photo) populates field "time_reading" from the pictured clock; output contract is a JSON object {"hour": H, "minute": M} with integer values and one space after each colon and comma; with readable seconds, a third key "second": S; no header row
{"hour": 10, "minute": 38}
